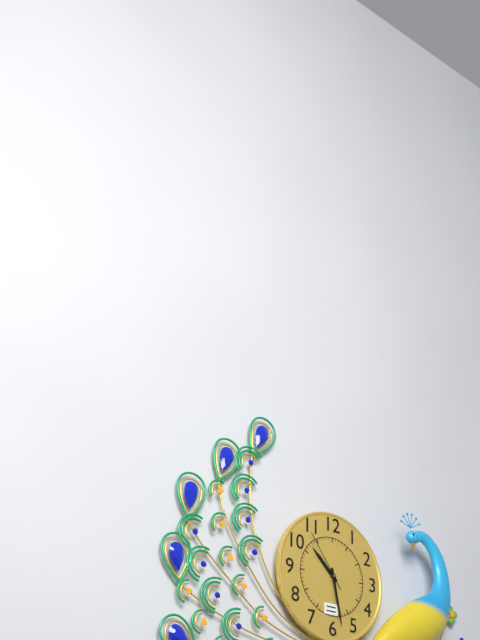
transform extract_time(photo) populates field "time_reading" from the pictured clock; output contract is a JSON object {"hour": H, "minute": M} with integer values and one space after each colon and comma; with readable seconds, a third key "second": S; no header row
{"hour": 10, "minute": 28, "second": 54}
